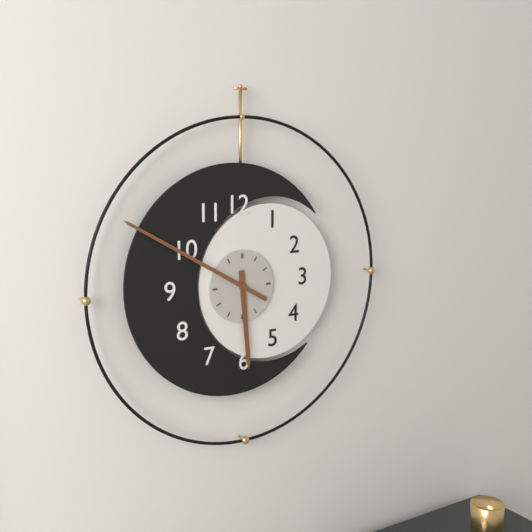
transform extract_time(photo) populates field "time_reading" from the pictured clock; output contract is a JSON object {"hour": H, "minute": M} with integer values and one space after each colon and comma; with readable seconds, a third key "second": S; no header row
{"hour": 5, "minute": 50}
